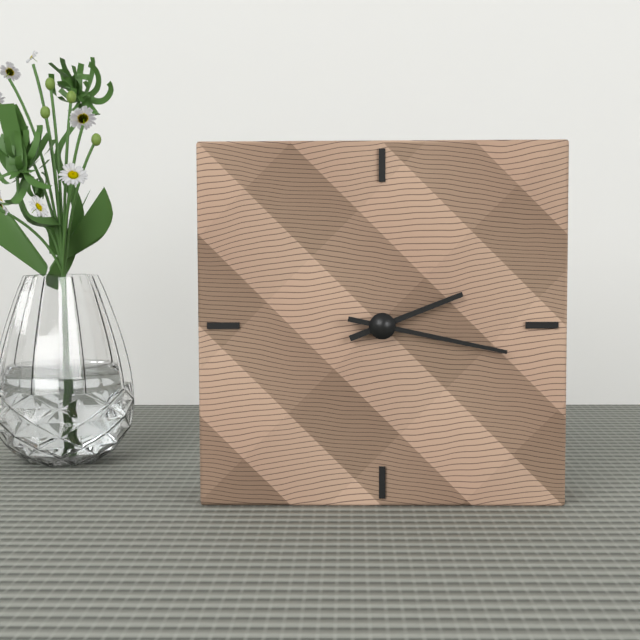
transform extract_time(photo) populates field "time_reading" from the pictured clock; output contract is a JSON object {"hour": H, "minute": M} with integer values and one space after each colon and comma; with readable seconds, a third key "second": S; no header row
{"hour": 2, "minute": 17}
